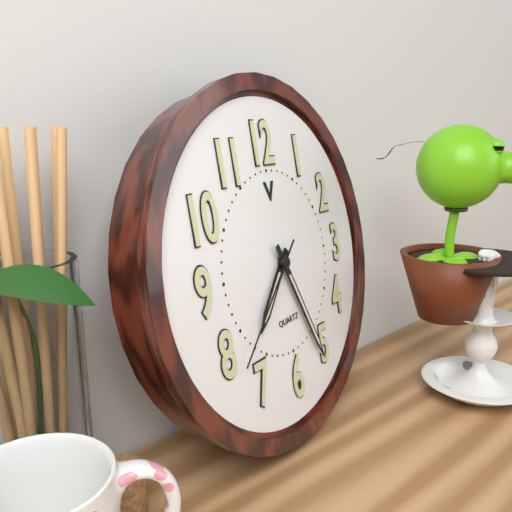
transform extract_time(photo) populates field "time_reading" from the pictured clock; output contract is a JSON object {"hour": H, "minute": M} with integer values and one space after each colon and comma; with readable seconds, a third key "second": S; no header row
{"hour": 7, "minute": 26, "second": 38}
